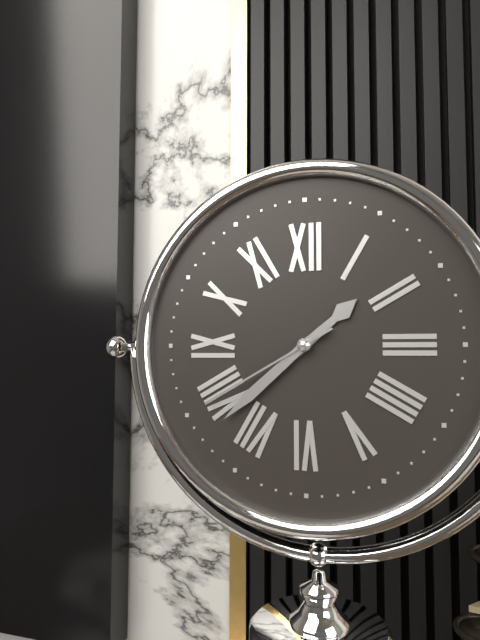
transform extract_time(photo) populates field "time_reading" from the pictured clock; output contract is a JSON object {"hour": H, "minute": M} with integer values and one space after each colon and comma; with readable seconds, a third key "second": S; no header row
{"hour": 1, "minute": 38, "second": 40}
